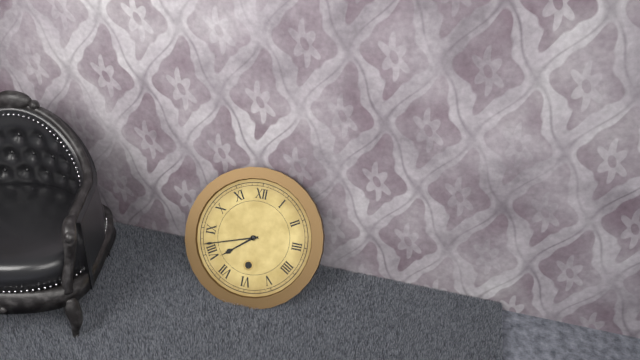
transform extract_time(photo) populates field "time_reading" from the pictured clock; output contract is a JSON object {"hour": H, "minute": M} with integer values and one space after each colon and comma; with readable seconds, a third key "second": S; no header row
{"hour": 7, "minute": 42}
